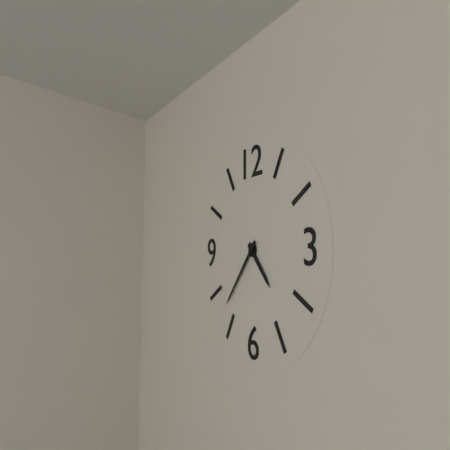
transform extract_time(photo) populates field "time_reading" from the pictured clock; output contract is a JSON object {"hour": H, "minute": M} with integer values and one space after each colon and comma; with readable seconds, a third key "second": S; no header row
{"hour": 4, "minute": 37}
